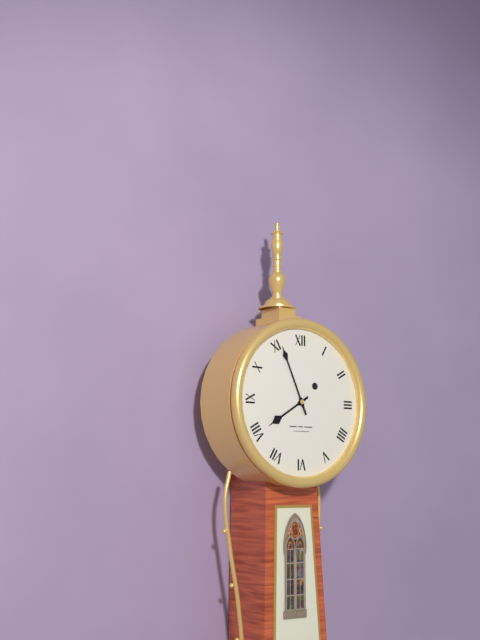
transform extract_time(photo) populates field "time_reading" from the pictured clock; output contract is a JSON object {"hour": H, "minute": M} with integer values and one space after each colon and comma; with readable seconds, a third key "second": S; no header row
{"hour": 7, "minute": 56}
